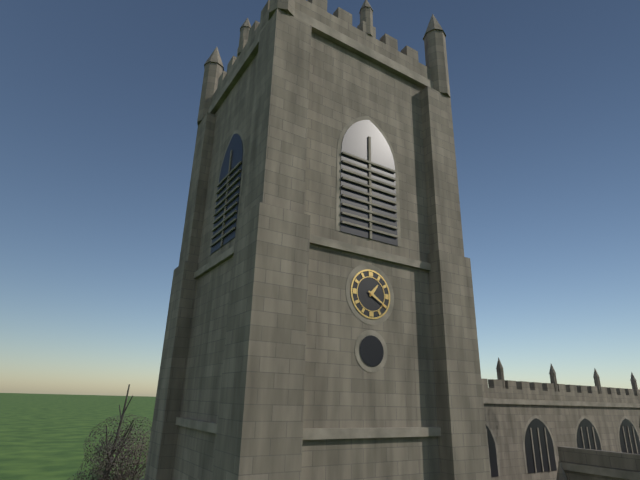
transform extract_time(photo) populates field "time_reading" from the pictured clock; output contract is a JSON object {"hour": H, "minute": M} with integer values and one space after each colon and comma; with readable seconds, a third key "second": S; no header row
{"hour": 1, "minute": 20}
